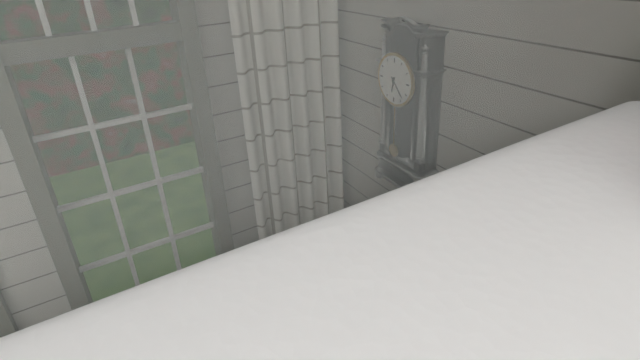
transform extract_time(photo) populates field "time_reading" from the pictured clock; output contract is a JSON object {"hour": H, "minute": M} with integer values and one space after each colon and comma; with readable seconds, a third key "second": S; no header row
{"hour": 6, "minute": 23}
